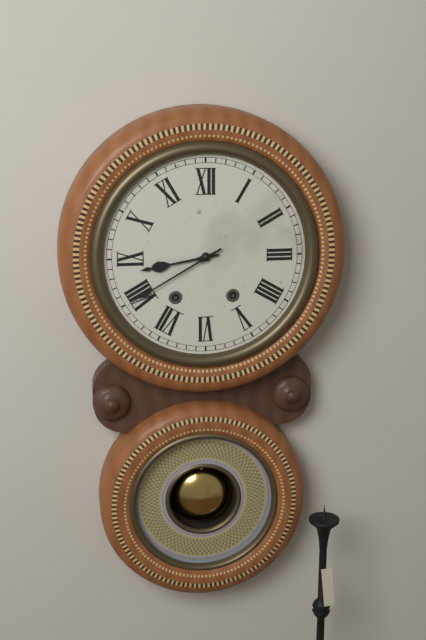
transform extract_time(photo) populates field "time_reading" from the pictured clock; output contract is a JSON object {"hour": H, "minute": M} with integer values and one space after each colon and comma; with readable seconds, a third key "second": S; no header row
{"hour": 8, "minute": 40}
